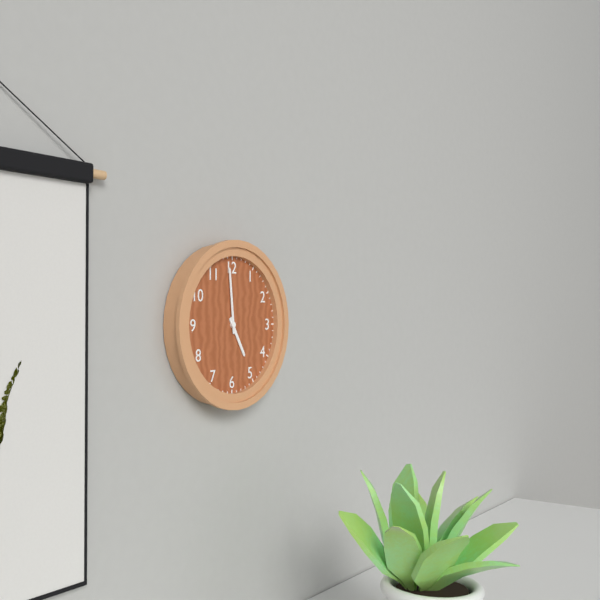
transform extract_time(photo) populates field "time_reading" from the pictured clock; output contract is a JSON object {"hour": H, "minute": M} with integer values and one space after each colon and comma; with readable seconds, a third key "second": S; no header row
{"hour": 4, "minute": 59}
